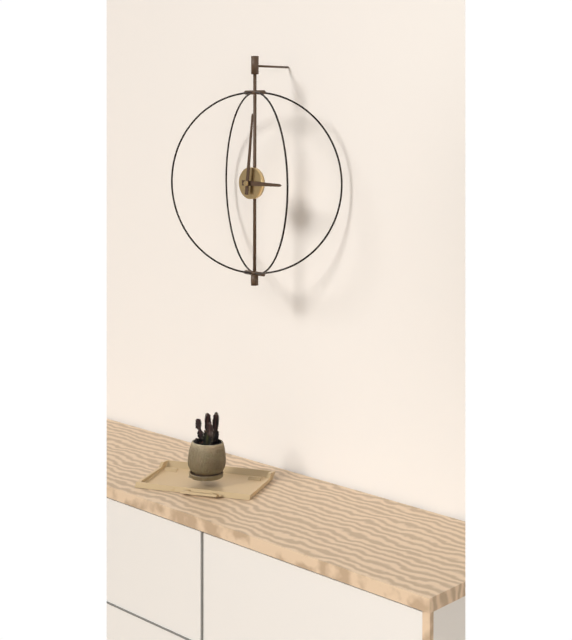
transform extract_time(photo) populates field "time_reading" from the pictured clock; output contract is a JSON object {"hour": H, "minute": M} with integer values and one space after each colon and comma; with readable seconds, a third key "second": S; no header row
{"hour": 3, "minute": 1}
